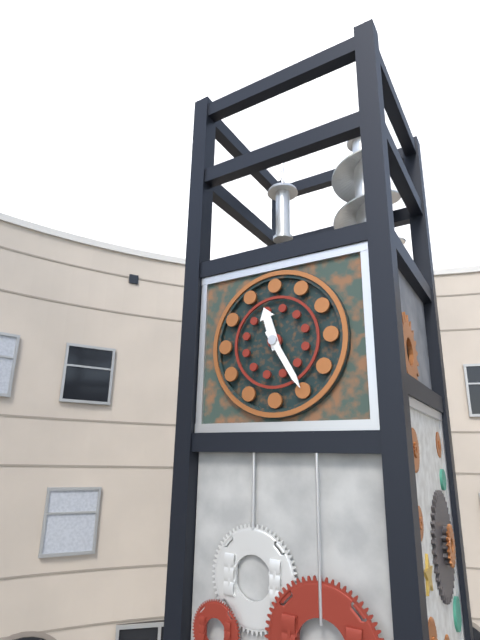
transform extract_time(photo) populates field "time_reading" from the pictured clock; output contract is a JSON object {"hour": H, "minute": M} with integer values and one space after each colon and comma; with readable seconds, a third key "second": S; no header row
{"hour": 11, "minute": 25}
